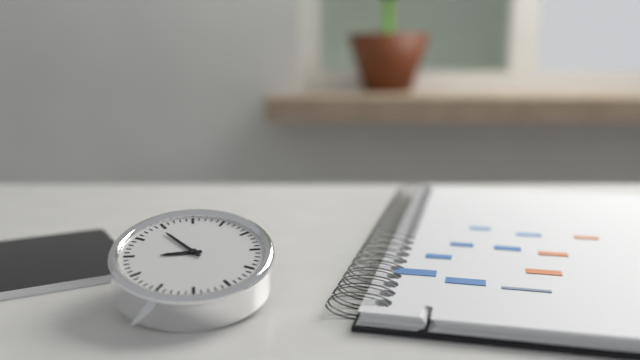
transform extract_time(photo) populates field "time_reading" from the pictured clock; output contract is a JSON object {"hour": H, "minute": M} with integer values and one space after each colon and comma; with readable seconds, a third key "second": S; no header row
{"hour": 8, "minute": 54}
